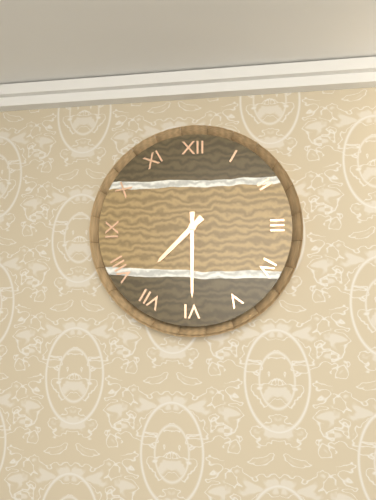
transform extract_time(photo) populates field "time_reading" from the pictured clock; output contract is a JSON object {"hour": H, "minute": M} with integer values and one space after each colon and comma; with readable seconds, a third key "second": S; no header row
{"hour": 7, "minute": 30}
